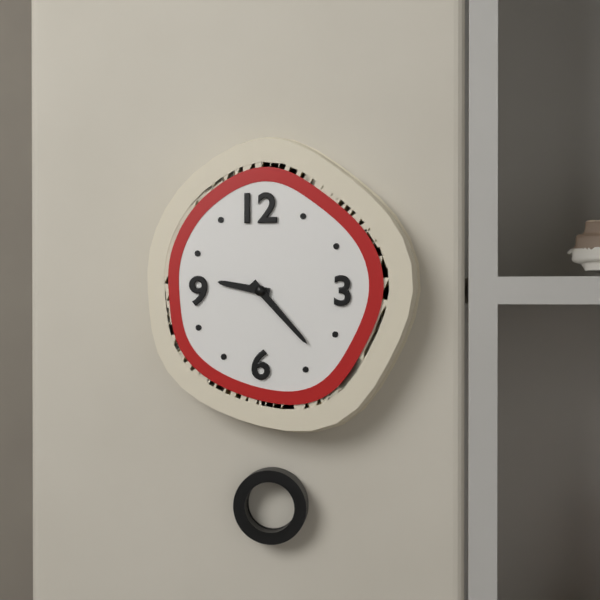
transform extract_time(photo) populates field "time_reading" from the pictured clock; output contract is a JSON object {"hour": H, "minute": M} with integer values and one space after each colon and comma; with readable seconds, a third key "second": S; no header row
{"hour": 9, "minute": 23}
